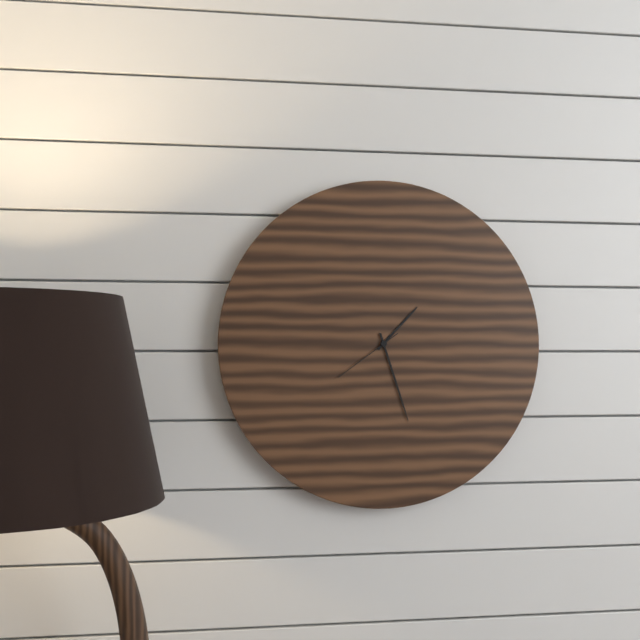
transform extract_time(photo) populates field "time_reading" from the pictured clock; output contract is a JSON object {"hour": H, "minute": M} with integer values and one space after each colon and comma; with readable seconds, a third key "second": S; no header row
{"hour": 1, "minute": 27, "second": 39}
